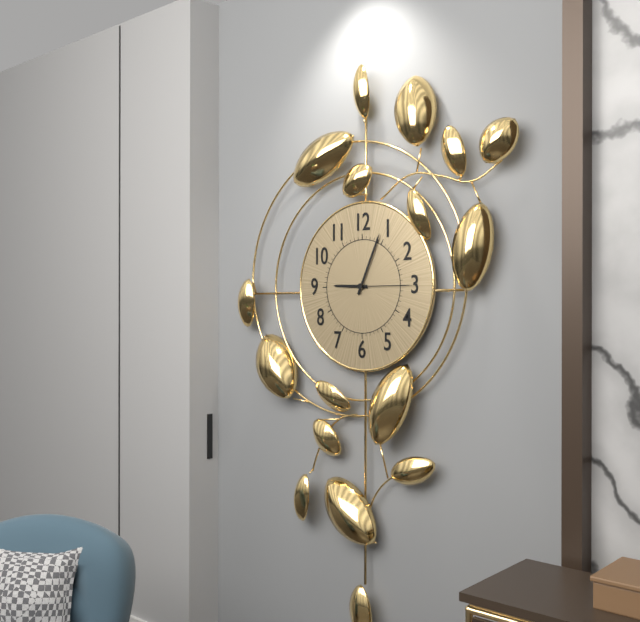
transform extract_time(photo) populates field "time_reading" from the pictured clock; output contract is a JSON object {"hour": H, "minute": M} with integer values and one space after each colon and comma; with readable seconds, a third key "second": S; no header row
{"hour": 9, "minute": 4, "second": 15}
